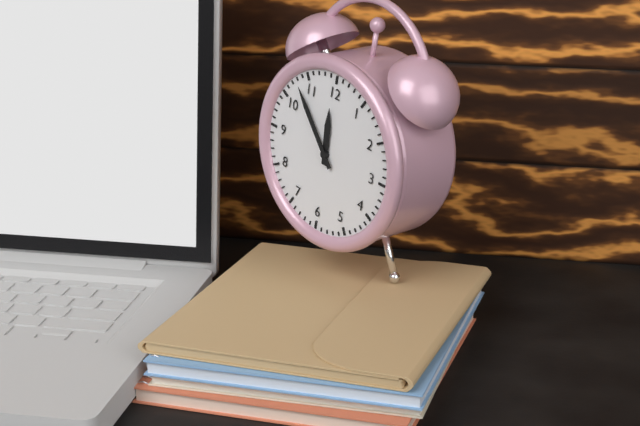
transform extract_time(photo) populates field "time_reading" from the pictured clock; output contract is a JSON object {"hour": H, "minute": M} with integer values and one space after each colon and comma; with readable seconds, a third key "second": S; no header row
{"hour": 11, "minute": 53}
